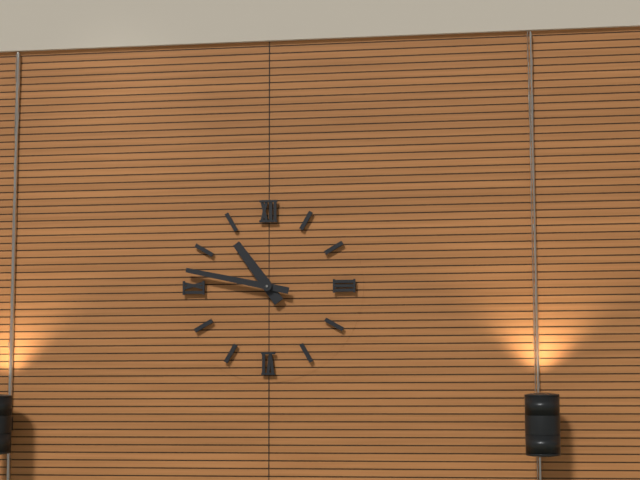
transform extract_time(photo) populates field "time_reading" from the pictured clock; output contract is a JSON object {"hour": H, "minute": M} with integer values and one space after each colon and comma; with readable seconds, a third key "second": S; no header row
{"hour": 10, "minute": 47}
